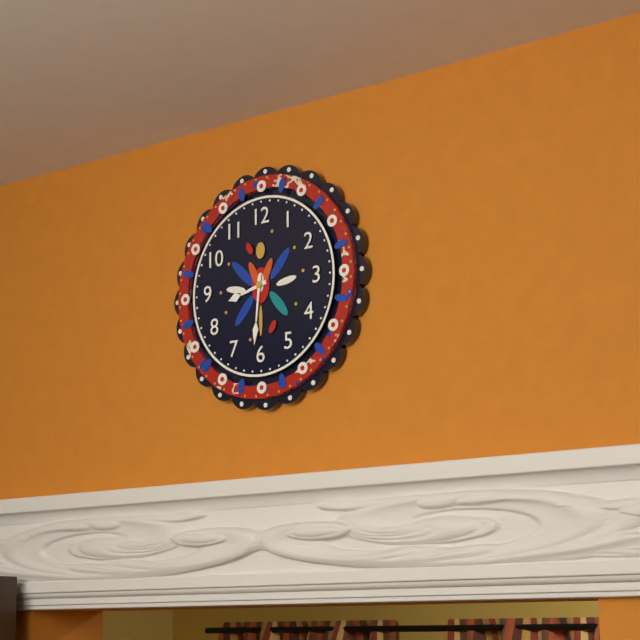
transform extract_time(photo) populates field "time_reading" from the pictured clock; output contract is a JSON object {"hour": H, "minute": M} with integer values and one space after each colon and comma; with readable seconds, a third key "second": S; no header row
{"hour": 8, "minute": 31}
